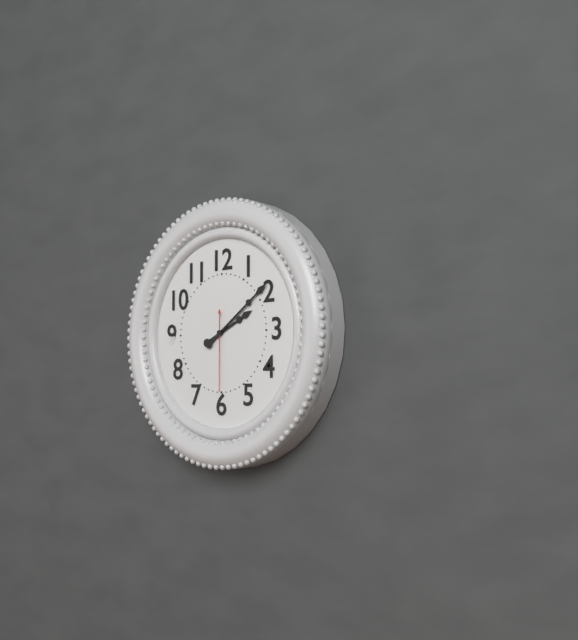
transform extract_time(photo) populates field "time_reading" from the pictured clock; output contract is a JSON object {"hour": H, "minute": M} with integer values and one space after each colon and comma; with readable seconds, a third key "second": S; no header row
{"hour": 2, "minute": 9, "second": 30}
